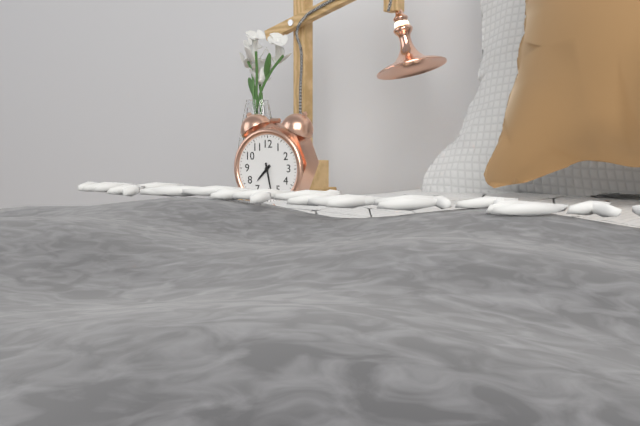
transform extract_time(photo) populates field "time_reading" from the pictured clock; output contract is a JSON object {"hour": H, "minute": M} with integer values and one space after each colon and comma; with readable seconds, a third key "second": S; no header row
{"hour": 7, "minute": 28}
